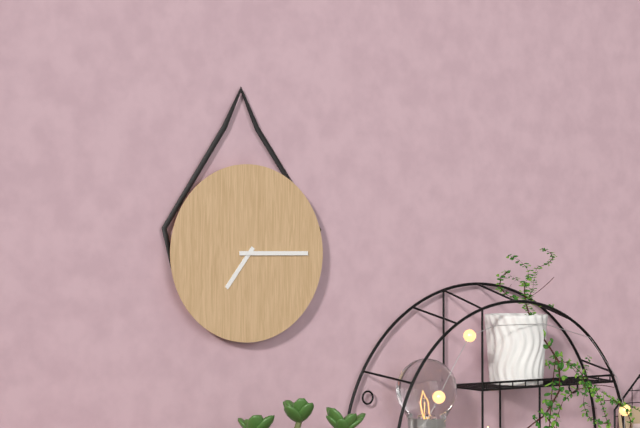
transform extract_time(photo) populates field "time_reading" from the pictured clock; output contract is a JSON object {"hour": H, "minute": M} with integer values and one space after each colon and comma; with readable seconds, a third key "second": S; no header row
{"hour": 7, "minute": 15}
